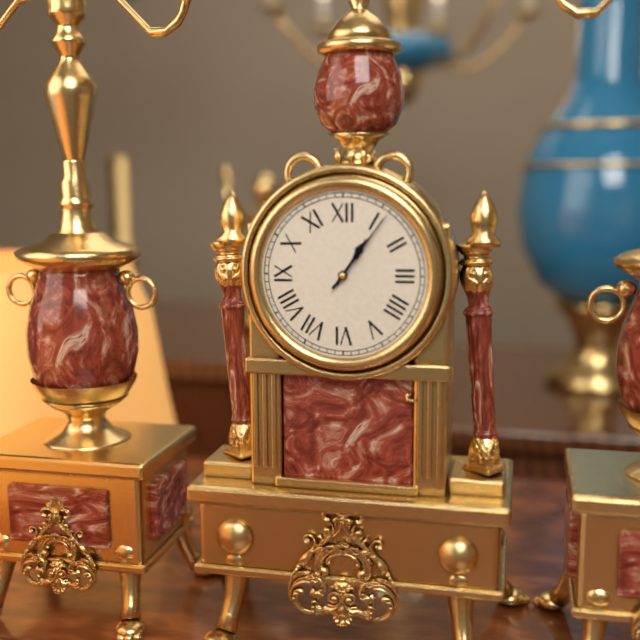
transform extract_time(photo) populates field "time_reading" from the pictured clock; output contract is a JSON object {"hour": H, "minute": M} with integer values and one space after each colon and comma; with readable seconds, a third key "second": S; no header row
{"hour": 1, "minute": 6}
